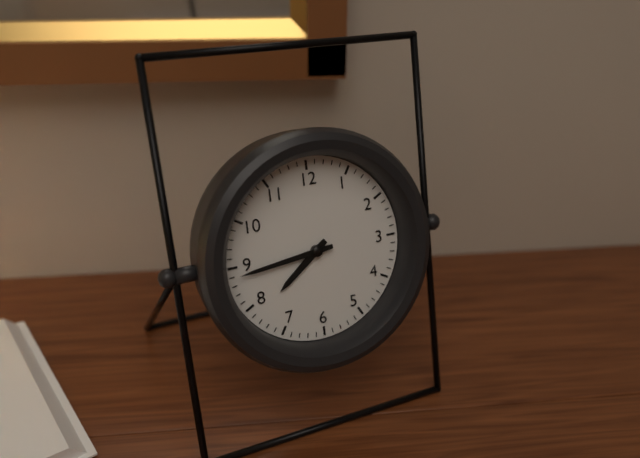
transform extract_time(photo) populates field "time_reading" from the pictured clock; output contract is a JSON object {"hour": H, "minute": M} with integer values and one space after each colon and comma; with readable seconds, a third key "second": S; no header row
{"hour": 7, "minute": 44}
